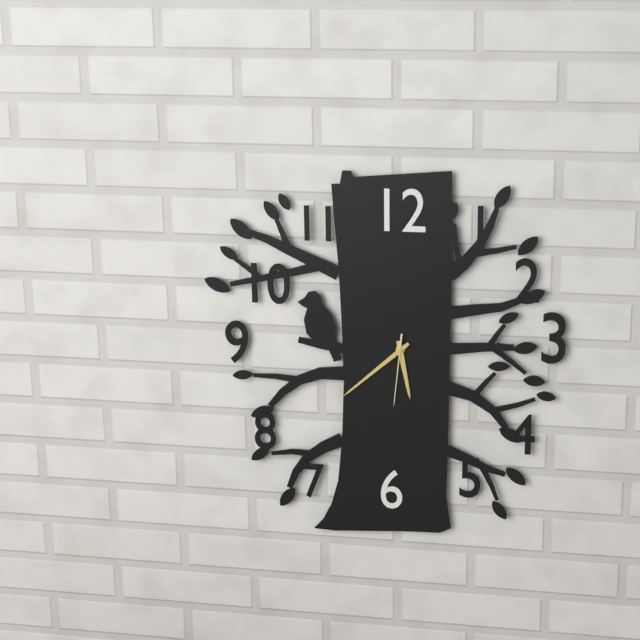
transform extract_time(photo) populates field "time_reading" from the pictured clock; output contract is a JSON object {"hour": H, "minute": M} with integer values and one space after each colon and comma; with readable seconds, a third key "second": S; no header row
{"hour": 5, "minute": 38, "second": 31}
